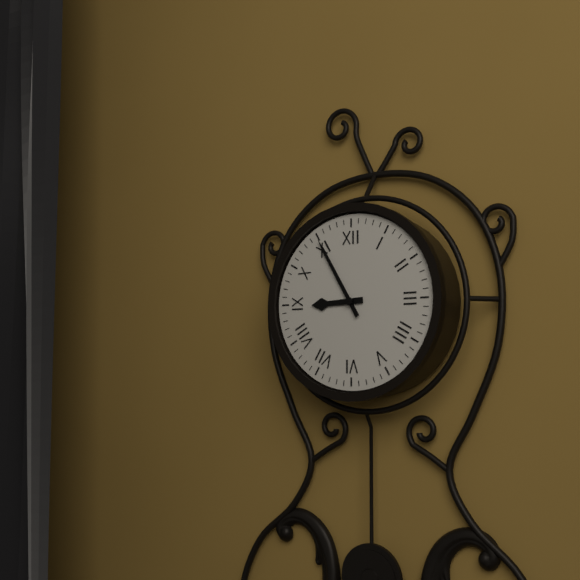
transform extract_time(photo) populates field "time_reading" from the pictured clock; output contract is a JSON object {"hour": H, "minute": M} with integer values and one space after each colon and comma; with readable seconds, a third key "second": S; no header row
{"hour": 8, "minute": 55}
